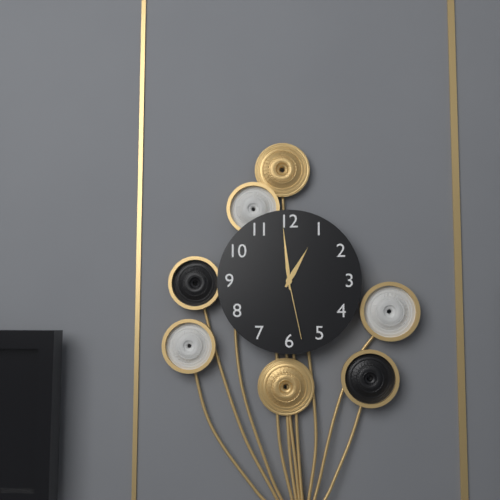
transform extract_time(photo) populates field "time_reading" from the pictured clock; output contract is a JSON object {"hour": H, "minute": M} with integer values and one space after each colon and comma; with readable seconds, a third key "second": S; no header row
{"hour": 12, "minute": 59, "second": 28}
